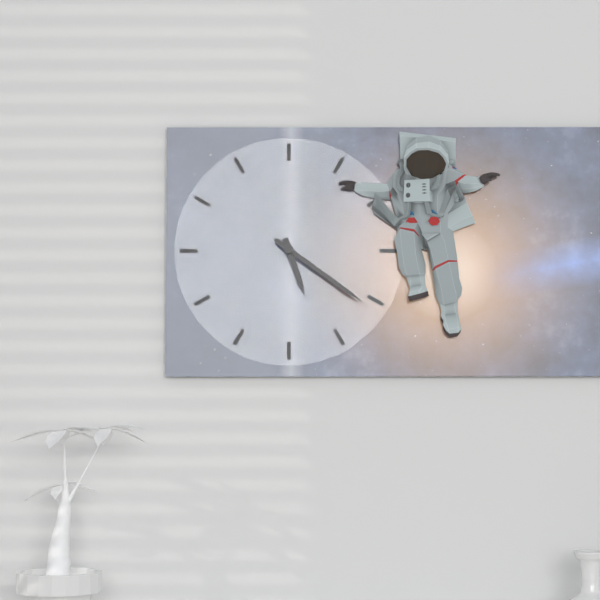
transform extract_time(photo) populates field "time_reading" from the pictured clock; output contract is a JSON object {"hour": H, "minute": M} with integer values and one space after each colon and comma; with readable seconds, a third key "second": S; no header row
{"hour": 5, "minute": 21}
